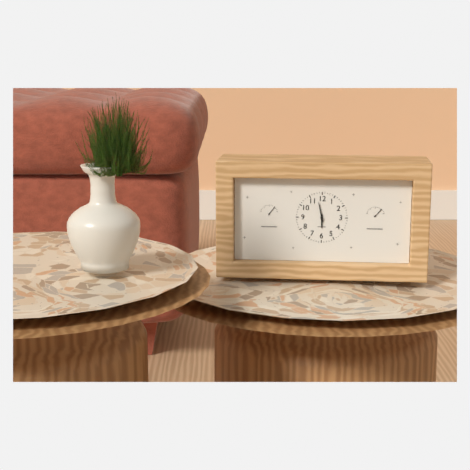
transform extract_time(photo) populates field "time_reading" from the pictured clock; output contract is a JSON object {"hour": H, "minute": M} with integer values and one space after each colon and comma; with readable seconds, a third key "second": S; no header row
{"hour": 5, "minute": 58}
